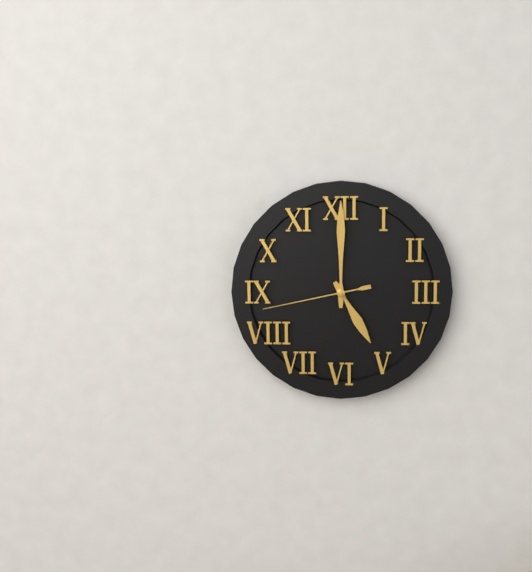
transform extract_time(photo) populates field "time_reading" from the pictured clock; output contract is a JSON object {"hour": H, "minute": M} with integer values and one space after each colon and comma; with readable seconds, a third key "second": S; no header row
{"hour": 5, "minute": 0, "second": 43}
